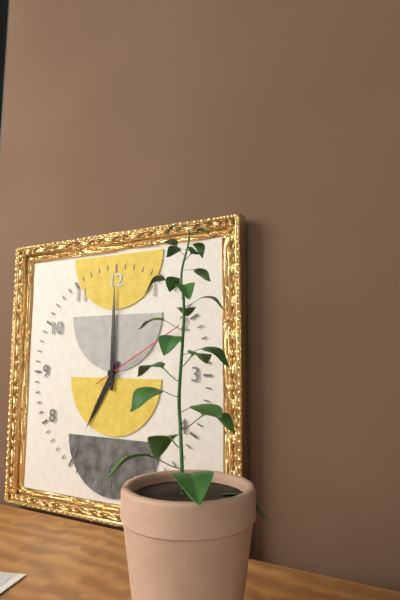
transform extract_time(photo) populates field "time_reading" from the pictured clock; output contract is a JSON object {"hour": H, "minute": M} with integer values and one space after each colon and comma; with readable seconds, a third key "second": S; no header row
{"hour": 7, "minute": 0, "second": 10}
